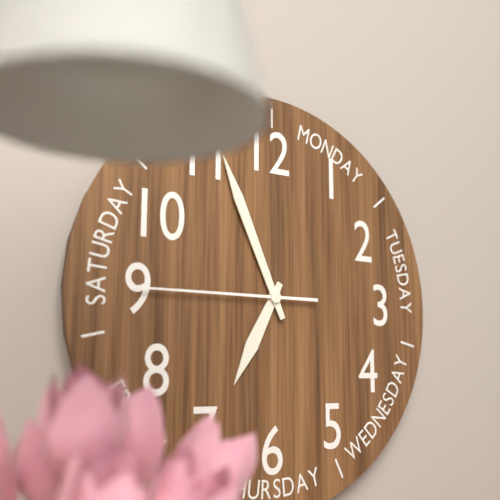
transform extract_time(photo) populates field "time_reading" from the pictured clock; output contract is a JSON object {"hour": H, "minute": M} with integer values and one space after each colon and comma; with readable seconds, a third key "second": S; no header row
{"hour": 6, "minute": 56, "second": 45}
